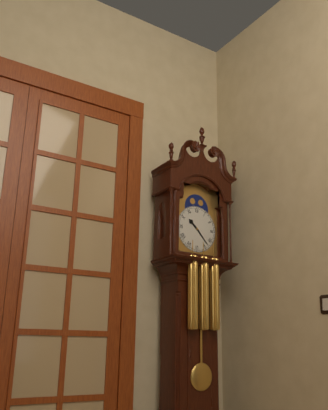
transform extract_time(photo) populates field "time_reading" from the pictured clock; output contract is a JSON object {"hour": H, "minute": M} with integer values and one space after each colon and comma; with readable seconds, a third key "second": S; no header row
{"hour": 10, "minute": 23}
